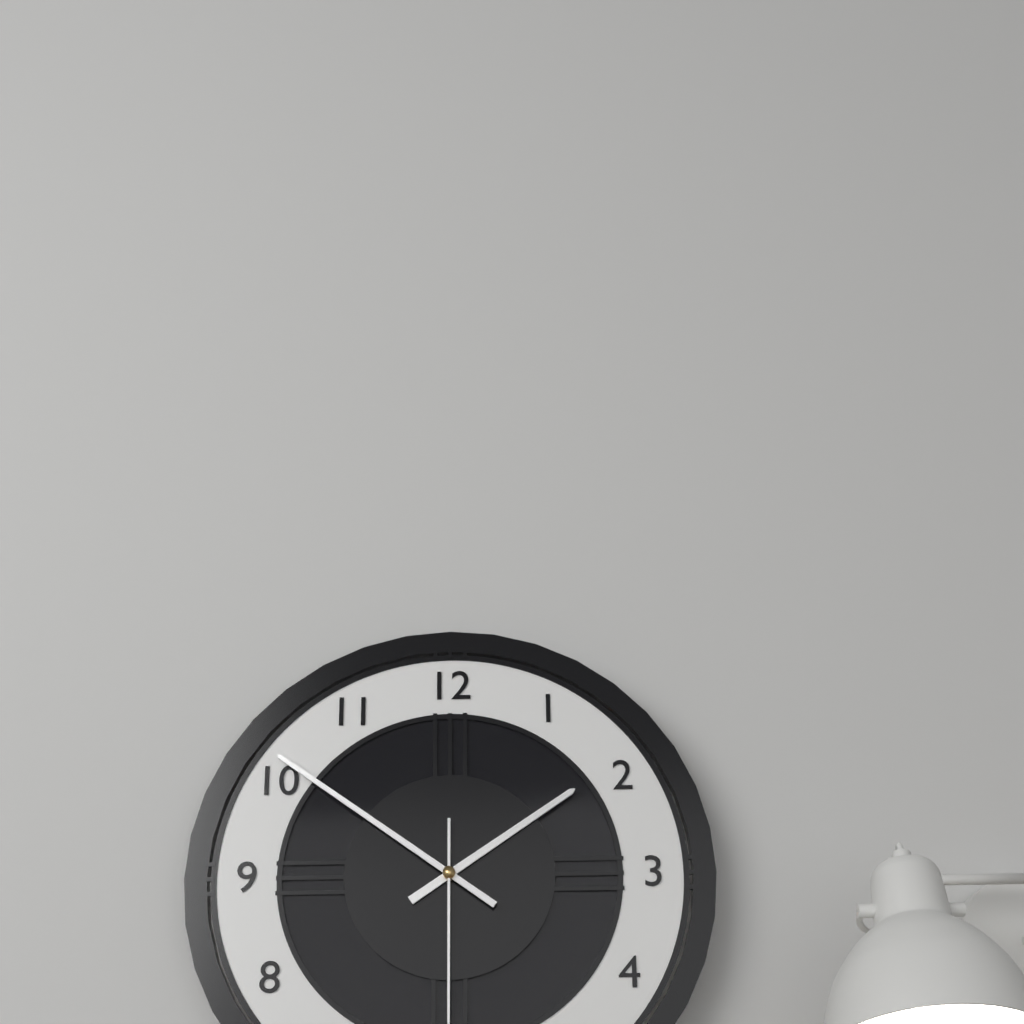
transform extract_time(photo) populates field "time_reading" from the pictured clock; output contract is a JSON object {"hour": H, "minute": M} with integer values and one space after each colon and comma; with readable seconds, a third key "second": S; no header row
{"hour": 1, "minute": 51}
